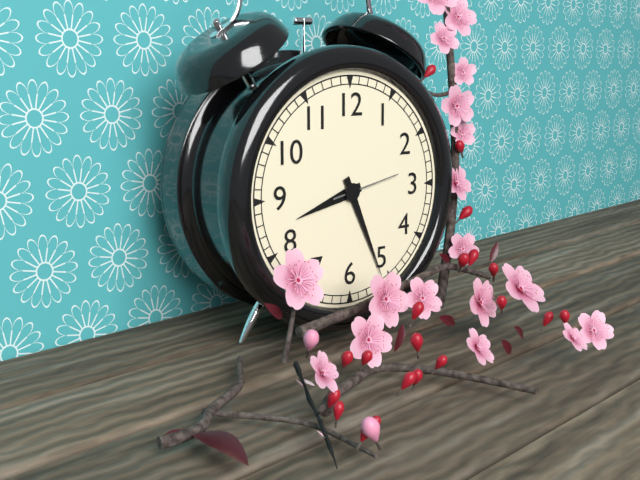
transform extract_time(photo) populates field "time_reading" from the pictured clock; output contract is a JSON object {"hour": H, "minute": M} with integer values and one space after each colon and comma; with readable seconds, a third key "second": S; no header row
{"hour": 8, "minute": 26, "second": 13}
